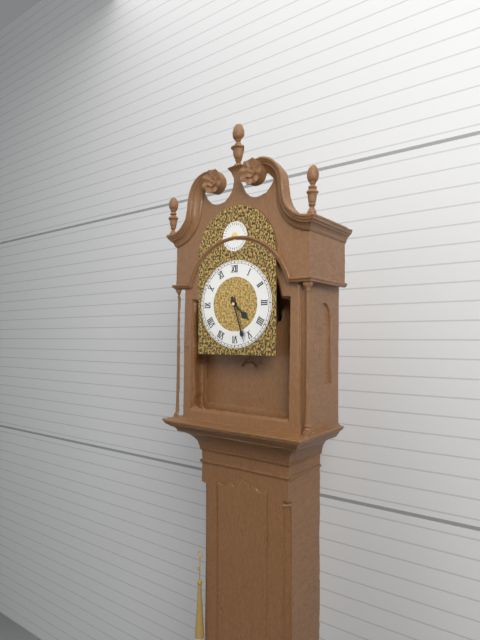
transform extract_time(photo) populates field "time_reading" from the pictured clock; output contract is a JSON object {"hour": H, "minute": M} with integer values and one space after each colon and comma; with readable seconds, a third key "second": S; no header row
{"hour": 4, "minute": 27}
